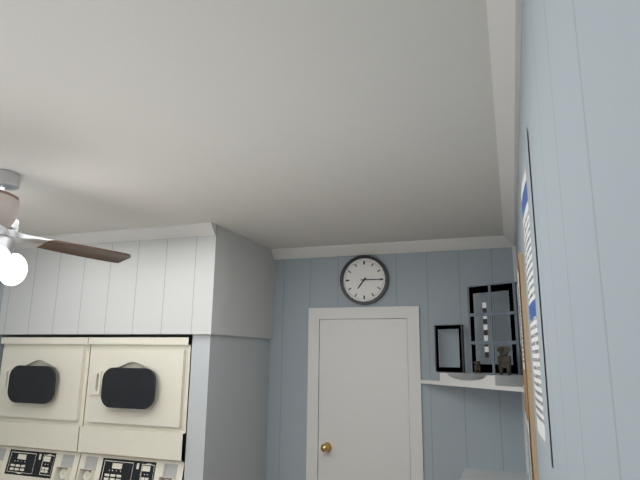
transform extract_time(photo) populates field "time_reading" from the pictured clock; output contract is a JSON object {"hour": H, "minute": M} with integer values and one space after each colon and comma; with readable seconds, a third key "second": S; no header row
{"hour": 7, "minute": 15}
